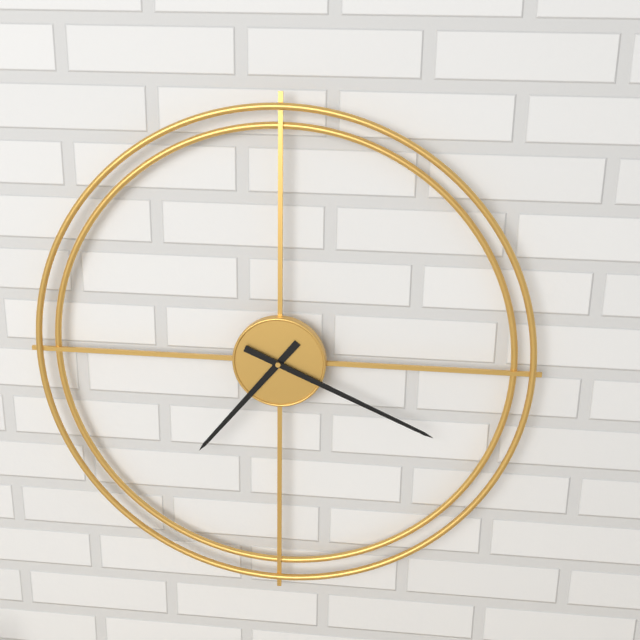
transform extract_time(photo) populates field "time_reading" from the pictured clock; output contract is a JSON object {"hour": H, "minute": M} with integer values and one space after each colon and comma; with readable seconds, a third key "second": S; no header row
{"hour": 7, "minute": 19}
